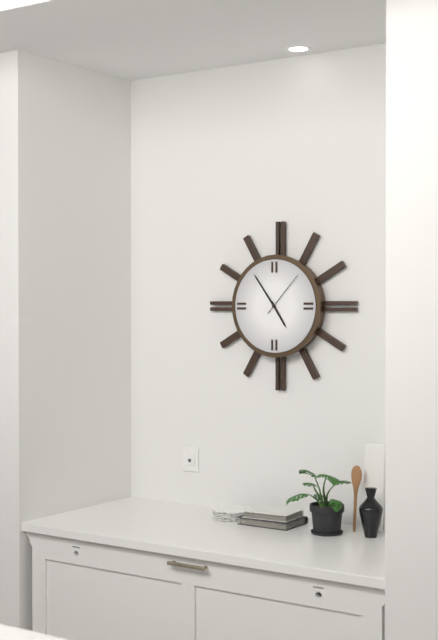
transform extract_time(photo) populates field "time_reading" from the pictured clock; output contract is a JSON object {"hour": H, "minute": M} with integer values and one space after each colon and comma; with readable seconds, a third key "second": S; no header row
{"hour": 4, "minute": 54}
